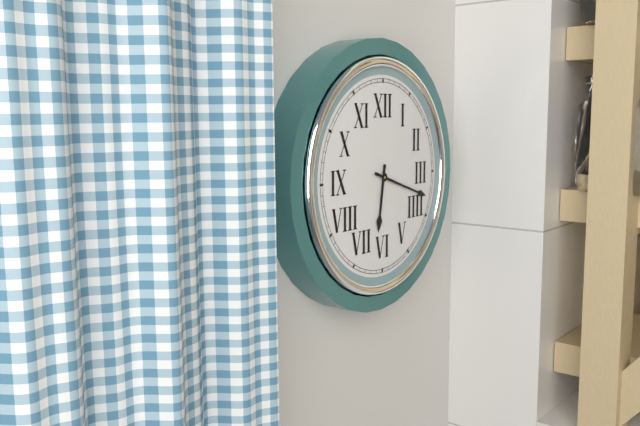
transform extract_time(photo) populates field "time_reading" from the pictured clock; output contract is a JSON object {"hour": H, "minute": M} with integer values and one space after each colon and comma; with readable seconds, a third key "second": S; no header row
{"hour": 6, "minute": 18}
